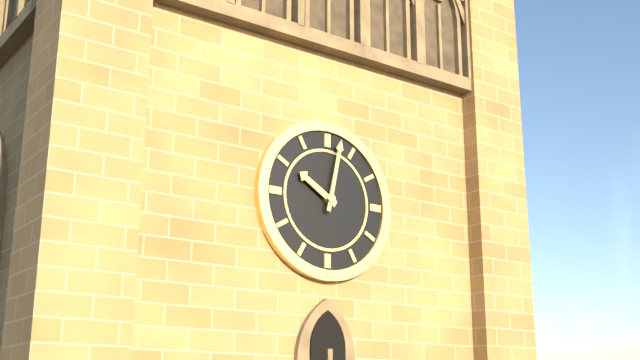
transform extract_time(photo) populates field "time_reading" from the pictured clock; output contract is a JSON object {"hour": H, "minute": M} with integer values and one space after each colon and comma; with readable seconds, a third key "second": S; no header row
{"hour": 10, "minute": 2}
